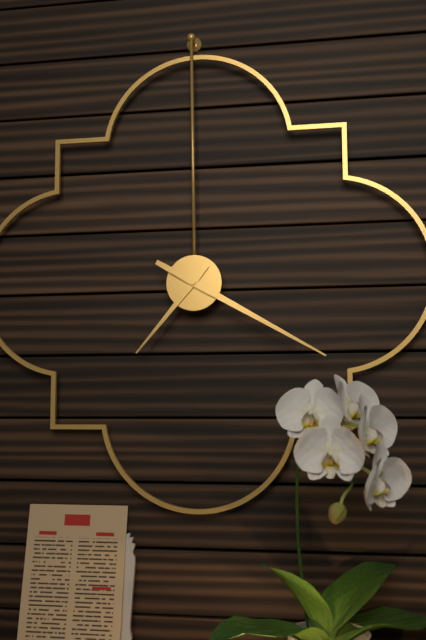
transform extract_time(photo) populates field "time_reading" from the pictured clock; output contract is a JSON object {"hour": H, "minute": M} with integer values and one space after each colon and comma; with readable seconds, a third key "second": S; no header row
{"hour": 7, "minute": 20}
